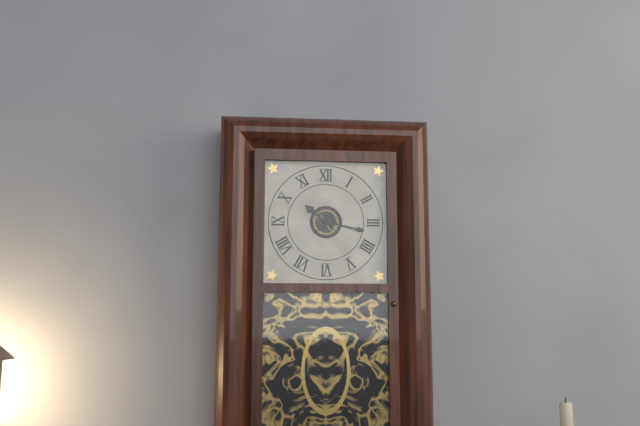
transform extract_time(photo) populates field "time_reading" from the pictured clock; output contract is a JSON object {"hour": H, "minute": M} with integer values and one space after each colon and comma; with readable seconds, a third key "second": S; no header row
{"hour": 10, "minute": 17}
